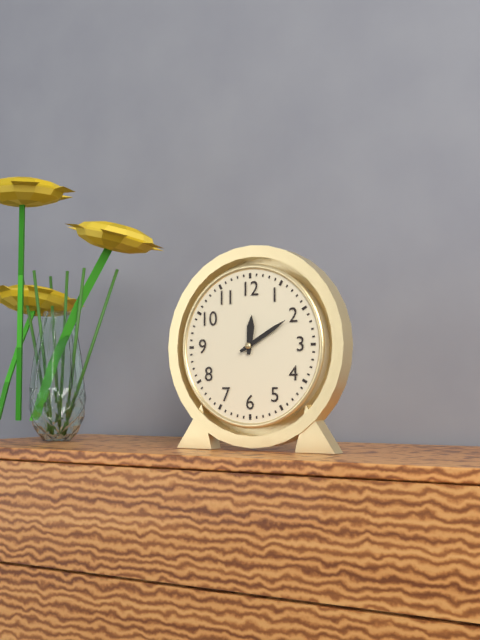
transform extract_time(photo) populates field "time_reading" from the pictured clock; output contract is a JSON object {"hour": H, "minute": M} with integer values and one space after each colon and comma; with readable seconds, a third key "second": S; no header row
{"hour": 12, "minute": 10}
